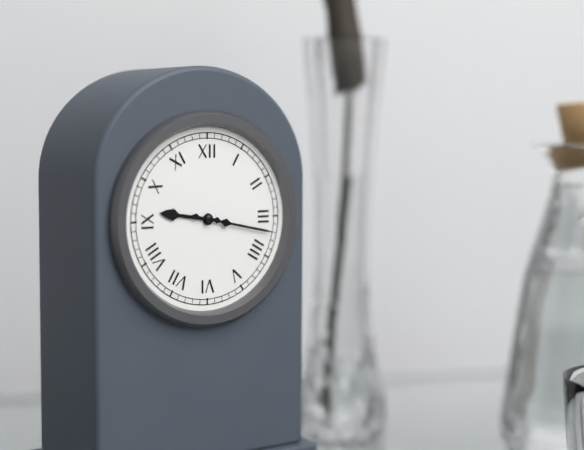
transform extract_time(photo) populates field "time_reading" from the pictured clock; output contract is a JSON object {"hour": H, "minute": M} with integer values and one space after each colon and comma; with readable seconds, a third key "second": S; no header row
{"hour": 9, "minute": 17}
